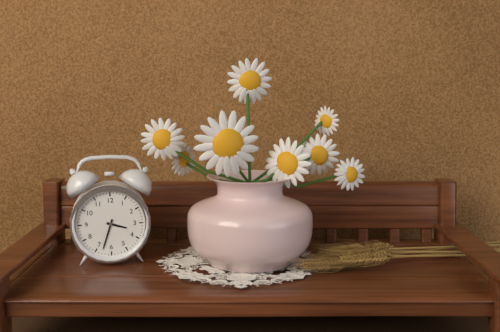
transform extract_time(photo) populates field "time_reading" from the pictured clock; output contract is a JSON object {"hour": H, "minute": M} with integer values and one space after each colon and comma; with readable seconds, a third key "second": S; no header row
{"hour": 3, "minute": 33}
